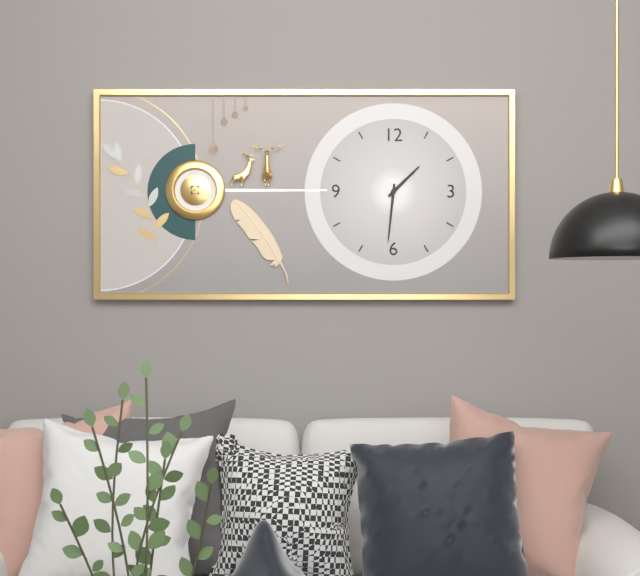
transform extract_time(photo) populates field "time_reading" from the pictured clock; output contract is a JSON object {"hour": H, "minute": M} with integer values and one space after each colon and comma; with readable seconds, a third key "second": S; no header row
{"hour": 1, "minute": 31}
